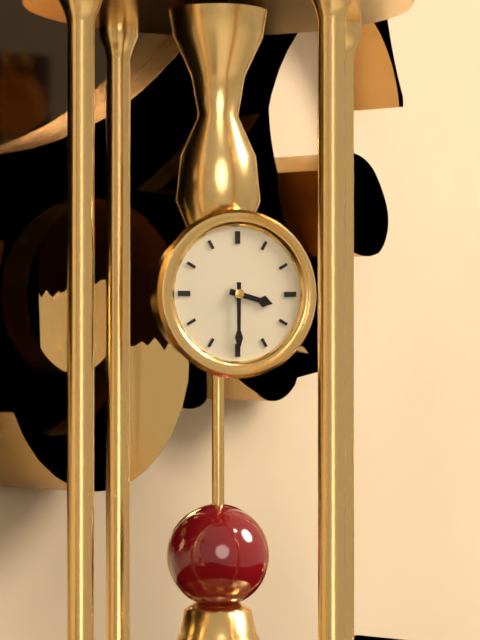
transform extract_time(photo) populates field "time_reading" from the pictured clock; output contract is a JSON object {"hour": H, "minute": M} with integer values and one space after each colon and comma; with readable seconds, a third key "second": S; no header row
{"hour": 3, "minute": 30}
